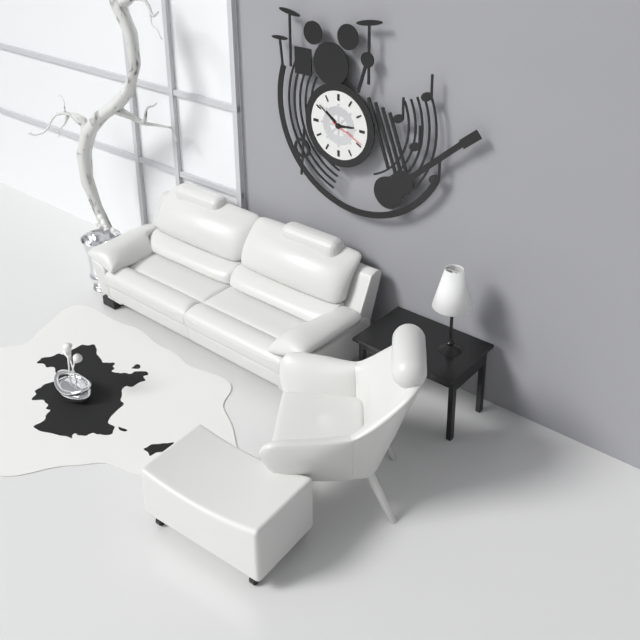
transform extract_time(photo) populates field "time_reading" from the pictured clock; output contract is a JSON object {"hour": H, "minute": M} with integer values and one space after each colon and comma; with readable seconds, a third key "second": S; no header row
{"hour": 2, "minute": 51}
